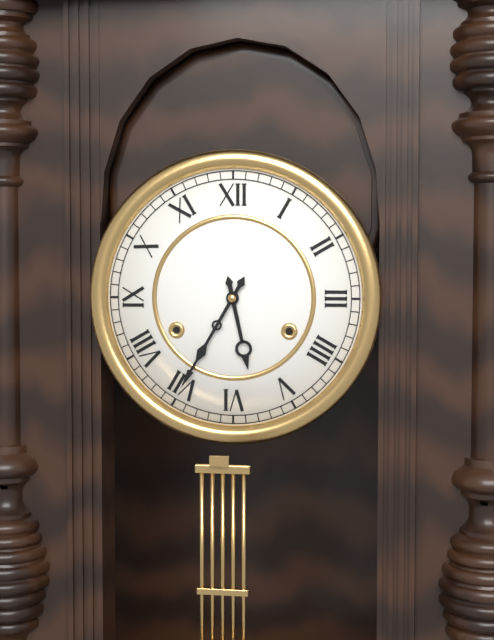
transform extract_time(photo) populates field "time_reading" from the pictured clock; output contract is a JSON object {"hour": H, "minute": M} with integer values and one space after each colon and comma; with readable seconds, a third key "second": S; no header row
{"hour": 5, "minute": 35}
